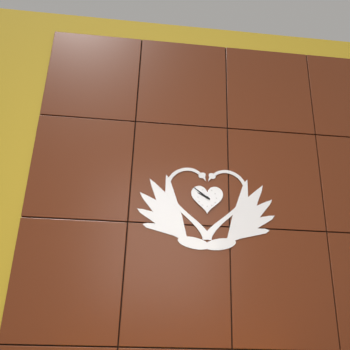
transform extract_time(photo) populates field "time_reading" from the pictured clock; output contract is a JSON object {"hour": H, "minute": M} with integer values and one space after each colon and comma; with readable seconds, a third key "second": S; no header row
{"hour": 9, "minute": 51}
